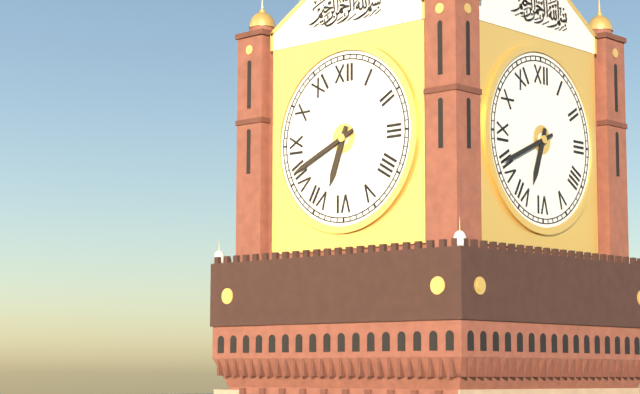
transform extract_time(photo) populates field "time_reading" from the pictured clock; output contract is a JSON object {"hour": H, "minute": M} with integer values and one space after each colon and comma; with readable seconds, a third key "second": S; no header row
{"hour": 6, "minute": 41}
